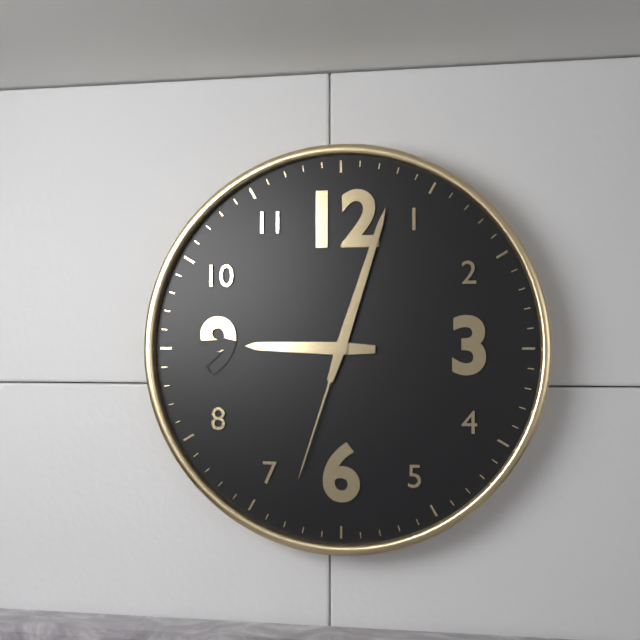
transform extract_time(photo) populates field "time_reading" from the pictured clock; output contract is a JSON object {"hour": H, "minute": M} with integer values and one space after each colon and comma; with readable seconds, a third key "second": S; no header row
{"hour": 9, "minute": 3, "second": 33}
